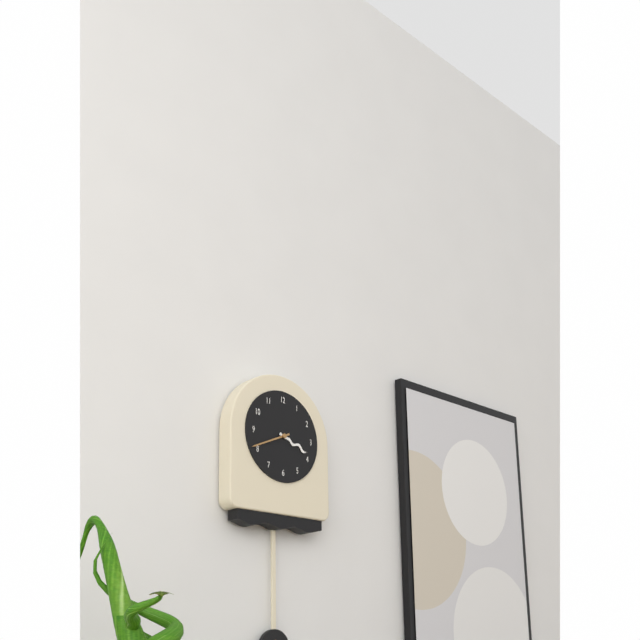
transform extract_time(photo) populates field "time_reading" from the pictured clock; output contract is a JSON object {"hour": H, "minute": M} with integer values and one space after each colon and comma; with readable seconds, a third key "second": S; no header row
{"hour": 3, "minute": 41}
